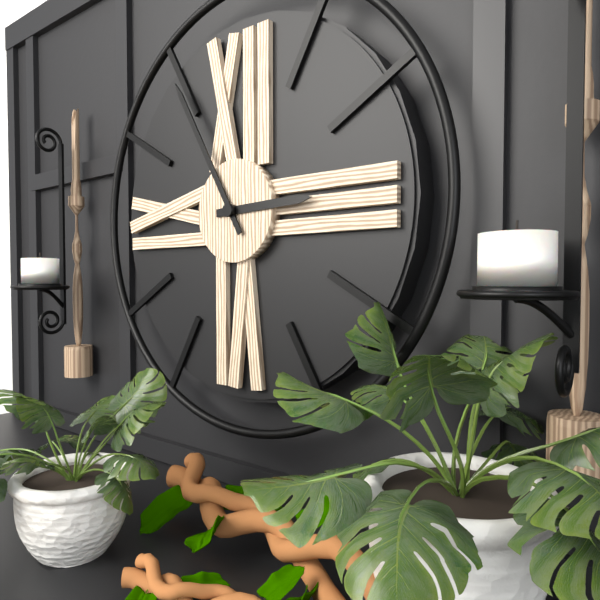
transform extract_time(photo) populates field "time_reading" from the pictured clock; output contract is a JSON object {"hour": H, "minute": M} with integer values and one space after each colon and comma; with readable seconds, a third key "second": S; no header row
{"hour": 2, "minute": 55}
